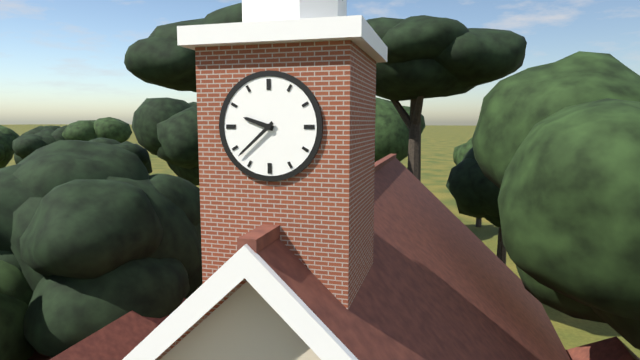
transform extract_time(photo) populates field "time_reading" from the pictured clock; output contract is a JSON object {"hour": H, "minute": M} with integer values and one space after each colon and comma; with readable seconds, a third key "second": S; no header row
{"hour": 9, "minute": 38}
